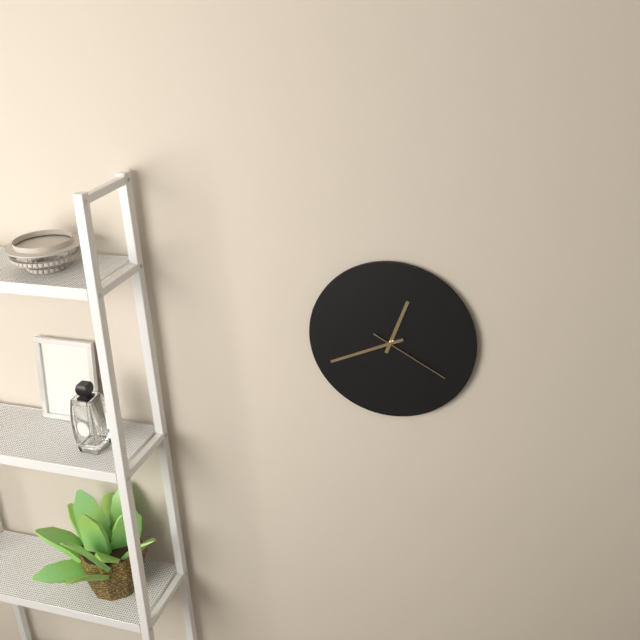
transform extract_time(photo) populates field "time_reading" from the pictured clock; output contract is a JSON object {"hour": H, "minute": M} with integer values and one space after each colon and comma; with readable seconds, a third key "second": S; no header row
{"hour": 12, "minute": 41, "second": 20}
